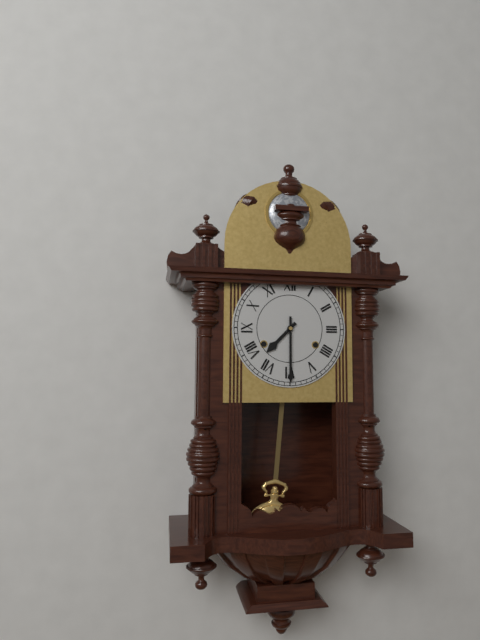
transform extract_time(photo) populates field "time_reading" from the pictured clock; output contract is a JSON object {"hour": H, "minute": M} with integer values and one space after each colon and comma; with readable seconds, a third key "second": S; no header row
{"hour": 7, "minute": 30}
